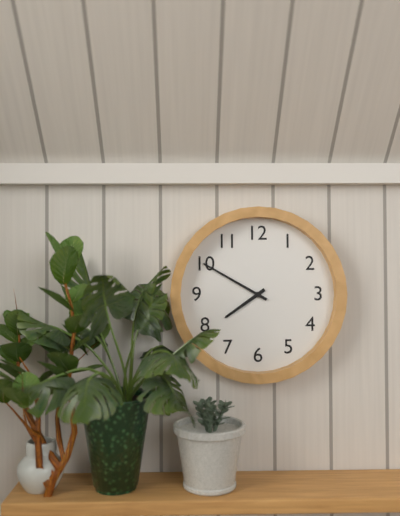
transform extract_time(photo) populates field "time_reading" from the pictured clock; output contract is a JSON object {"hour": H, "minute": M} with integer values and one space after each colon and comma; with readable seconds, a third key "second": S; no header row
{"hour": 7, "minute": 50}
